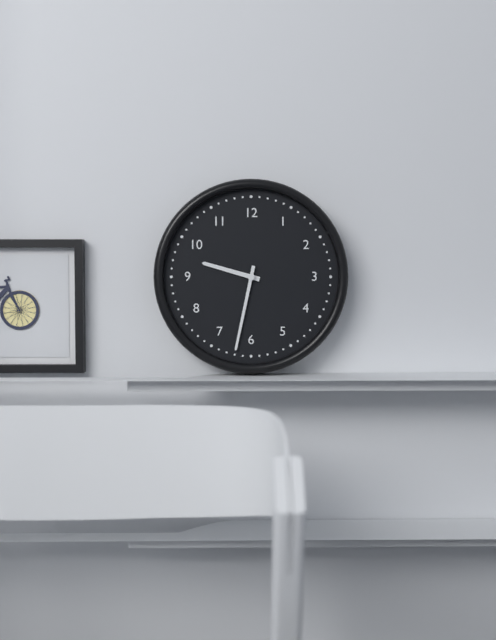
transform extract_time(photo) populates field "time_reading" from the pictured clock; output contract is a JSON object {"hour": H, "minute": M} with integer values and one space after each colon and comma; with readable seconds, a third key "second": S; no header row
{"hour": 9, "minute": 32}
